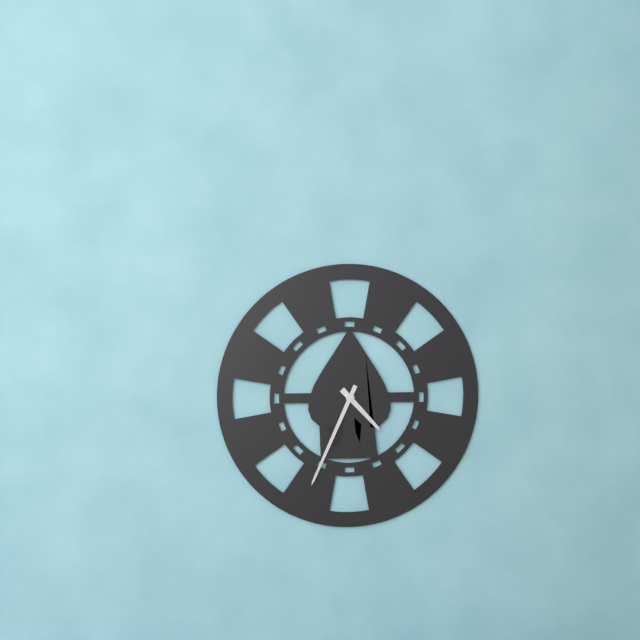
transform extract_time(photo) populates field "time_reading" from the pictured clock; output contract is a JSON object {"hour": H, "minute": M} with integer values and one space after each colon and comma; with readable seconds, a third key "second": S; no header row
{"hour": 4, "minute": 34}
